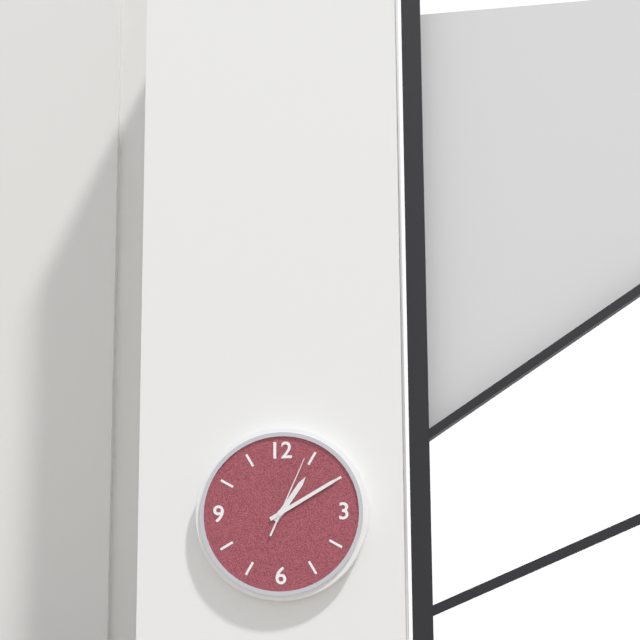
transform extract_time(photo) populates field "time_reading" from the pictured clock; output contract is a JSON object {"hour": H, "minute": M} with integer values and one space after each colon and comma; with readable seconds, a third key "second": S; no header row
{"hour": 1, "minute": 10, "second": 4}
